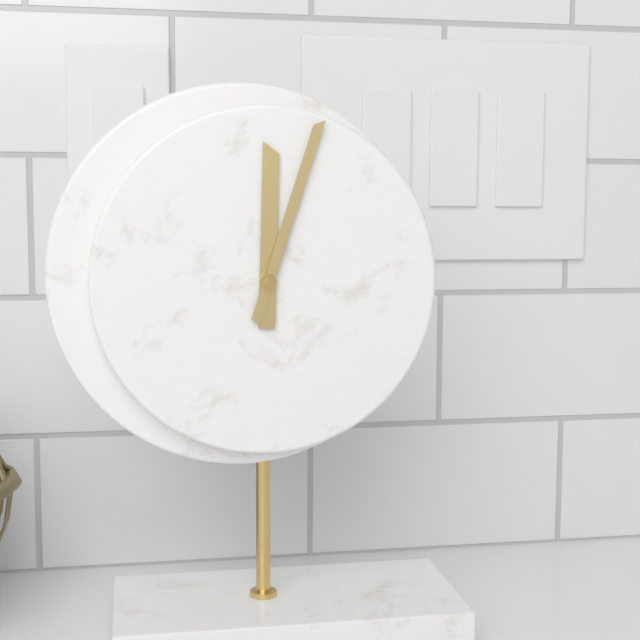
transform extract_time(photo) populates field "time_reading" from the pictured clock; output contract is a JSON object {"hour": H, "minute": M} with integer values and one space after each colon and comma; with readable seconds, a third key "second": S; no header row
{"hour": 12, "minute": 3}
